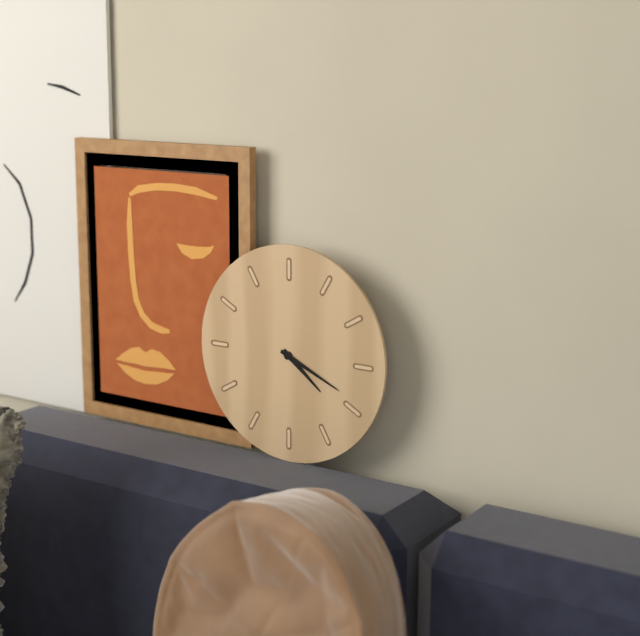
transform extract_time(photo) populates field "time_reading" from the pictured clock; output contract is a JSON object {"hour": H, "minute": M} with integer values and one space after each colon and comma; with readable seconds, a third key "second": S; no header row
{"hour": 4, "minute": 19}
